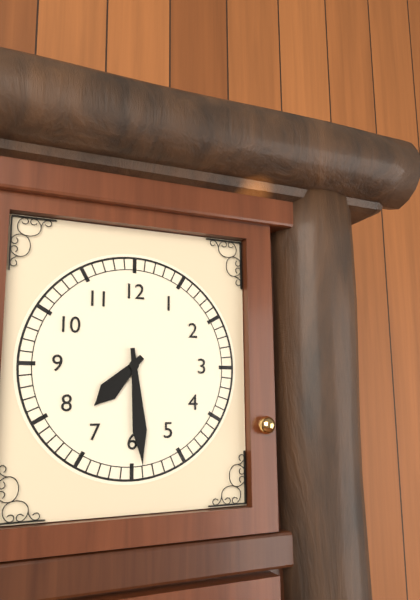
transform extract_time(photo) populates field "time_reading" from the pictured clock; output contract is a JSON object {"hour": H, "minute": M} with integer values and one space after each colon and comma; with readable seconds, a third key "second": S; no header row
{"hour": 7, "minute": 29}
